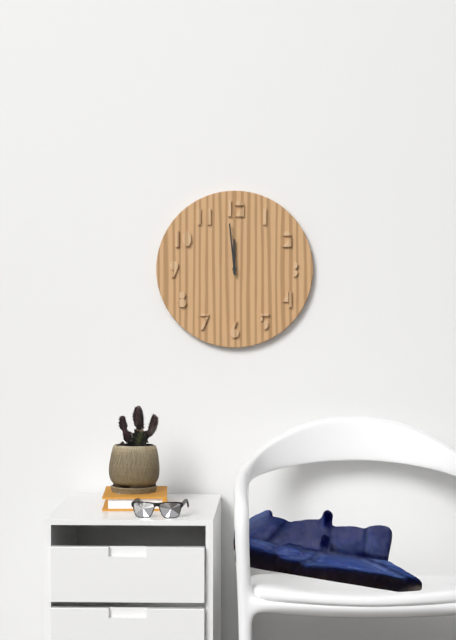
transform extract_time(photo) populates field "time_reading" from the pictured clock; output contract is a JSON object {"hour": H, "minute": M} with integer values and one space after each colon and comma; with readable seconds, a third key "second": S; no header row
{"hour": 11, "minute": 59}
